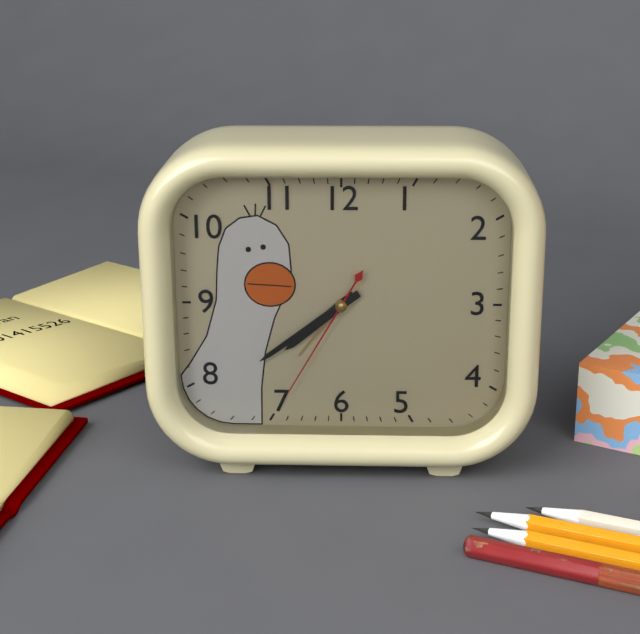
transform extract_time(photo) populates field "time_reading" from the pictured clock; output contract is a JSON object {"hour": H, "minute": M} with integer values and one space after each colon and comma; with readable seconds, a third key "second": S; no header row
{"hour": 7, "minute": 39, "second": 35}
